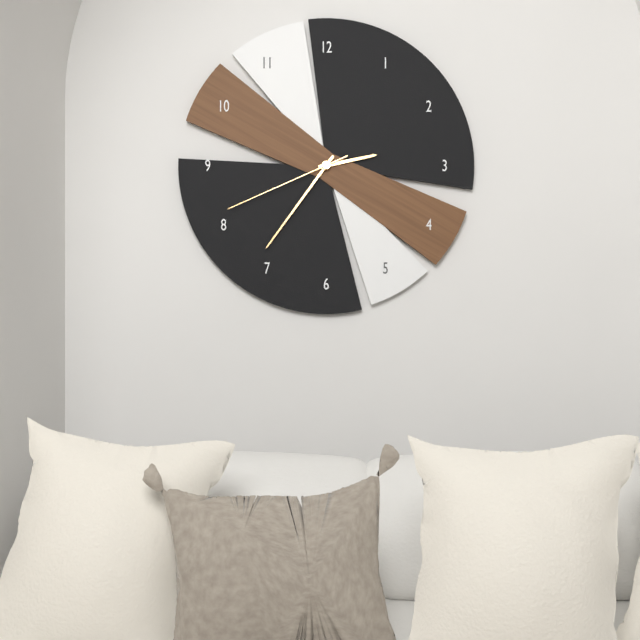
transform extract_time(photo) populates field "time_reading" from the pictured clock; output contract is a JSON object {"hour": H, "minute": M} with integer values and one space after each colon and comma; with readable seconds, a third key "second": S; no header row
{"hour": 2, "minute": 36, "second": 41}
